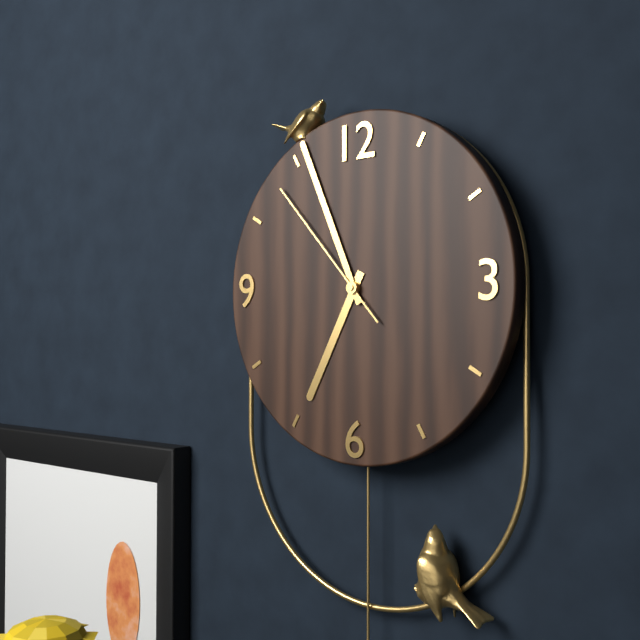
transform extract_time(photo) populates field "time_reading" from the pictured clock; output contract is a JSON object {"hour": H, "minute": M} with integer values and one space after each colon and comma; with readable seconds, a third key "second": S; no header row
{"hour": 6, "minute": 56, "second": 53}
